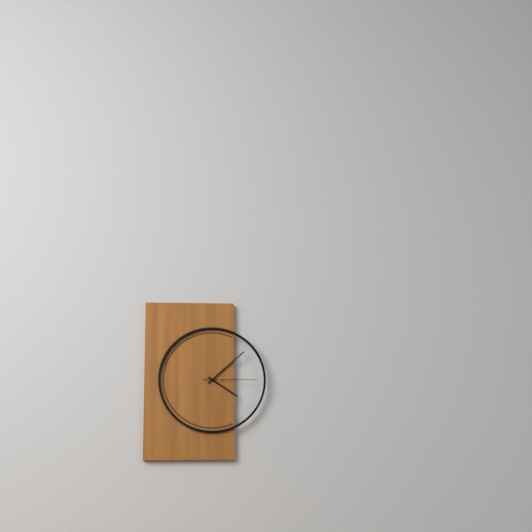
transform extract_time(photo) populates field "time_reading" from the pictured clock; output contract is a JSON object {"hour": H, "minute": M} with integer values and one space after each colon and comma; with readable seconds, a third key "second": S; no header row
{"hour": 4, "minute": 8, "second": 15}
